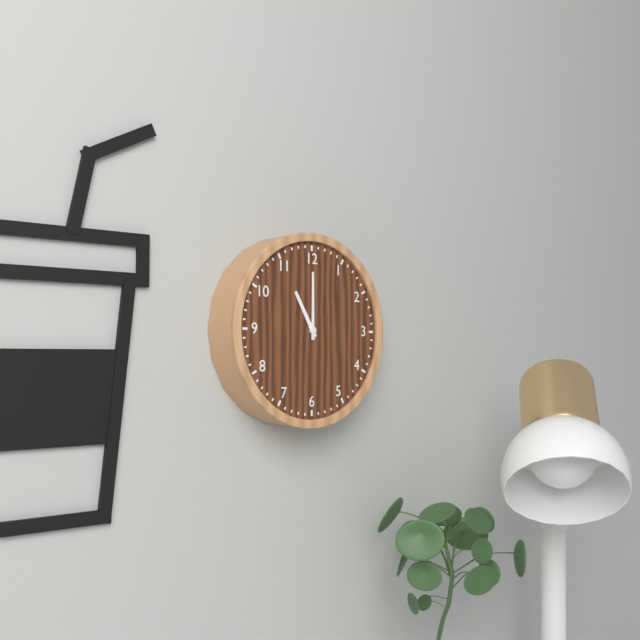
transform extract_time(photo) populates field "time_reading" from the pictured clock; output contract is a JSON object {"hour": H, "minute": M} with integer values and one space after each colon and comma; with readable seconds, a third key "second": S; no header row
{"hour": 11, "minute": 0}
